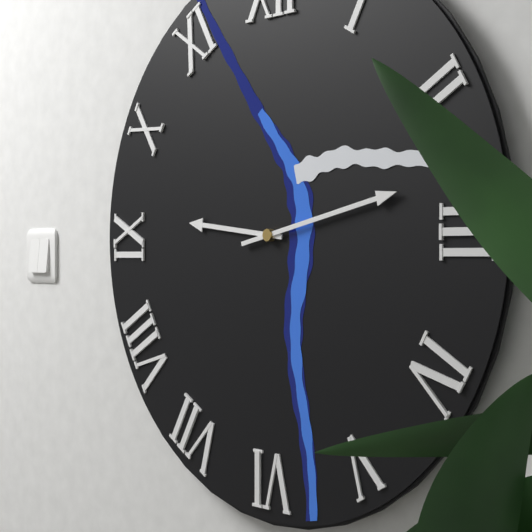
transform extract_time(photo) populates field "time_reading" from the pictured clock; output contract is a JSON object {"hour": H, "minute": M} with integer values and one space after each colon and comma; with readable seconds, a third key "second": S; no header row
{"hour": 9, "minute": 13}
